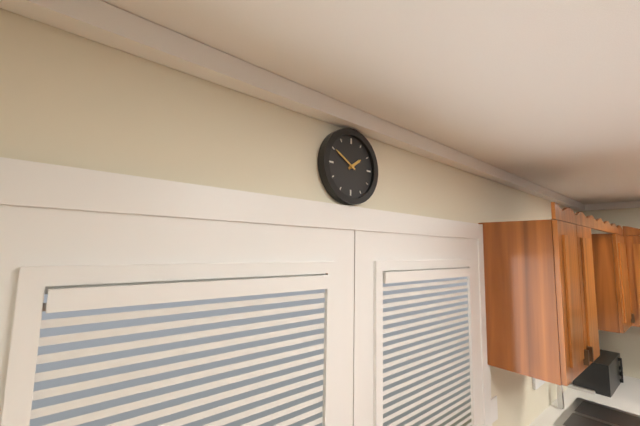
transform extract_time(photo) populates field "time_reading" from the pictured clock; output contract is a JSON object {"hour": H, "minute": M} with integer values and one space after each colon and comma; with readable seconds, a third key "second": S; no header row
{"hour": 1, "minute": 50}
